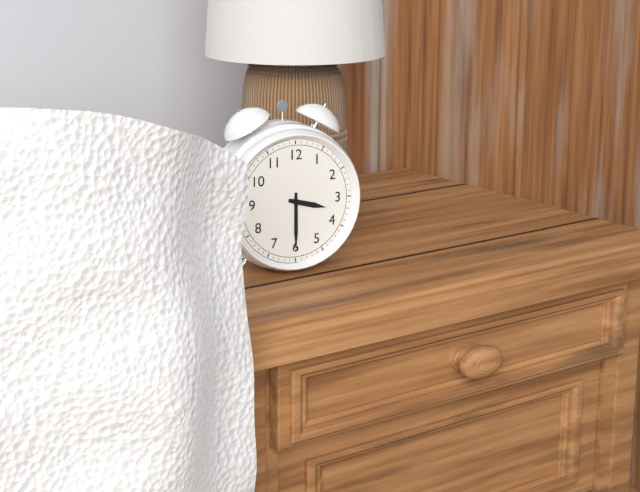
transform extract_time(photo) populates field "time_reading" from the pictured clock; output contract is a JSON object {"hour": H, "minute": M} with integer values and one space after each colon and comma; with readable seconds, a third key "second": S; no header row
{"hour": 3, "minute": 30}
